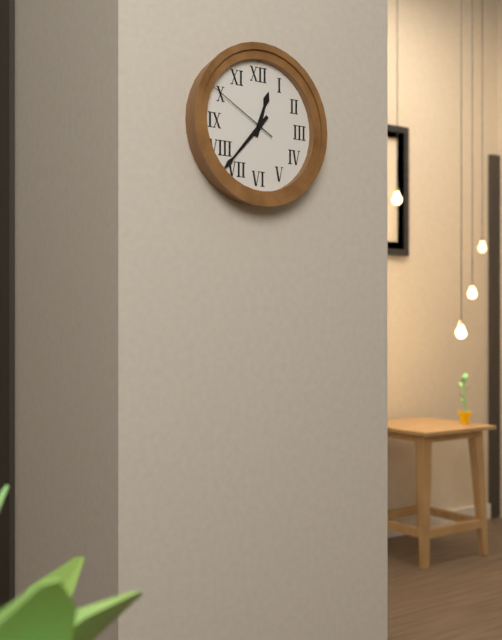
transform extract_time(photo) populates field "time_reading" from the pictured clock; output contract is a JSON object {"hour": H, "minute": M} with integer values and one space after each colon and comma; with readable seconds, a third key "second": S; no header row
{"hour": 12, "minute": 37, "second": 50}
